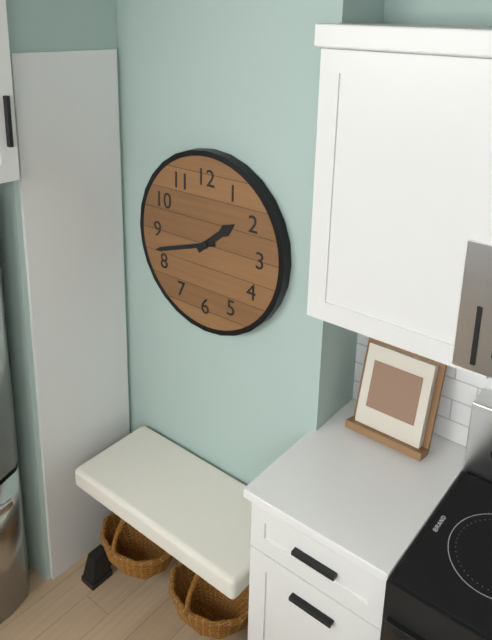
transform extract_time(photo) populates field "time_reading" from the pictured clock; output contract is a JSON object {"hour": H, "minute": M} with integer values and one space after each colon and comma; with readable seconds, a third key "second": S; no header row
{"hour": 1, "minute": 42}
